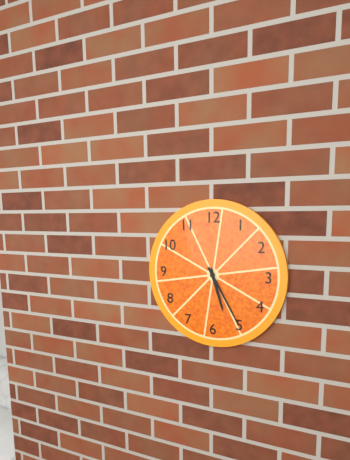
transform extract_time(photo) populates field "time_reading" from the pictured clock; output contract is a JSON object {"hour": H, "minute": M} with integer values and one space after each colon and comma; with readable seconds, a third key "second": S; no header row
{"hour": 5, "minute": 25}
